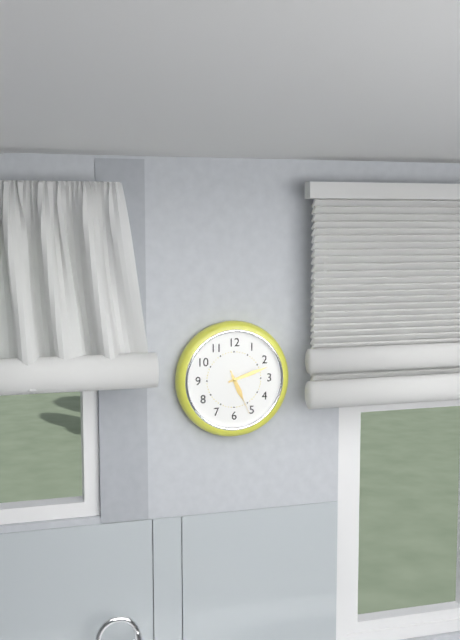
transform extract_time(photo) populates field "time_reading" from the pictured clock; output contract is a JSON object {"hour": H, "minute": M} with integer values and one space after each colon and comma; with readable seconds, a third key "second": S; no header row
{"hour": 5, "minute": 12}
